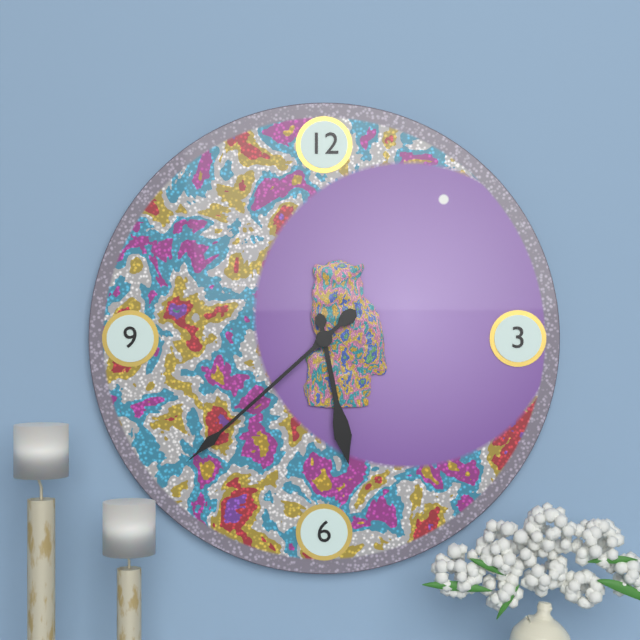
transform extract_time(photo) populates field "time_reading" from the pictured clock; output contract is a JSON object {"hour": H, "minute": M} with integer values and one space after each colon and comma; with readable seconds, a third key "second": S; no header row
{"hour": 5, "minute": 38}
